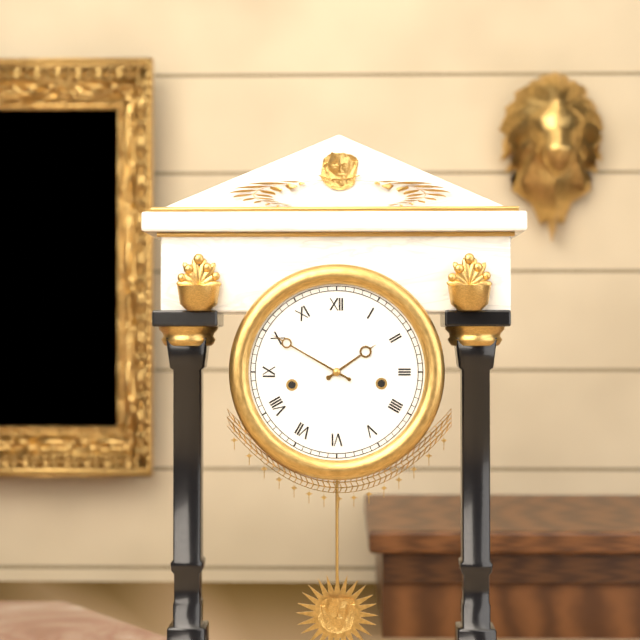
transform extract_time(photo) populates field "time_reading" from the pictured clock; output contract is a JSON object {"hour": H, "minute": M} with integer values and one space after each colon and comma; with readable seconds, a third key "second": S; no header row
{"hour": 1, "minute": 50}
